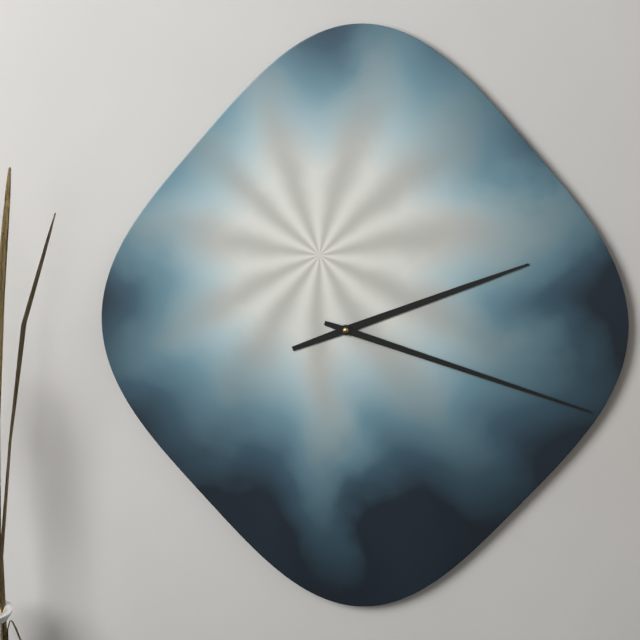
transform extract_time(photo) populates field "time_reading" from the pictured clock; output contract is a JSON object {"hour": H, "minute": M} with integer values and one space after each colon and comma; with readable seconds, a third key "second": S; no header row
{"hour": 2, "minute": 18}
